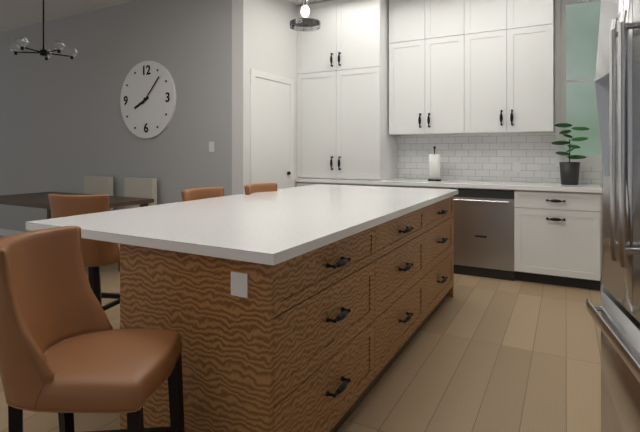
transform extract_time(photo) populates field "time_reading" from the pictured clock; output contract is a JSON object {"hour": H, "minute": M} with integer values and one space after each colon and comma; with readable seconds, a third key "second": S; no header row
{"hour": 8, "minute": 7}
